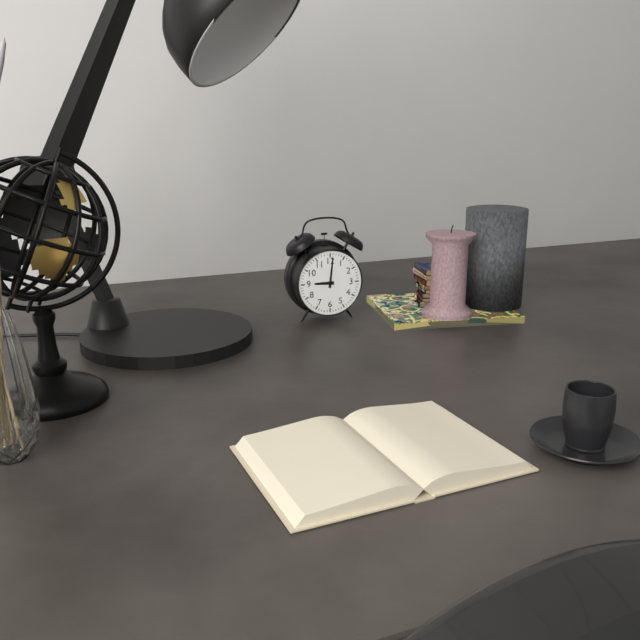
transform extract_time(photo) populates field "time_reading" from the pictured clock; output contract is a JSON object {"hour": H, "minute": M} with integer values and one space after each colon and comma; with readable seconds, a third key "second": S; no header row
{"hour": 9, "minute": 1}
